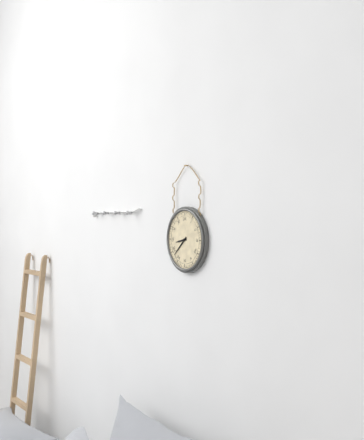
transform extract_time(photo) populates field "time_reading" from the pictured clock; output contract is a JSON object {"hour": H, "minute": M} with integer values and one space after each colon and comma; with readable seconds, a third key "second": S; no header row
{"hour": 8, "minute": 38}
